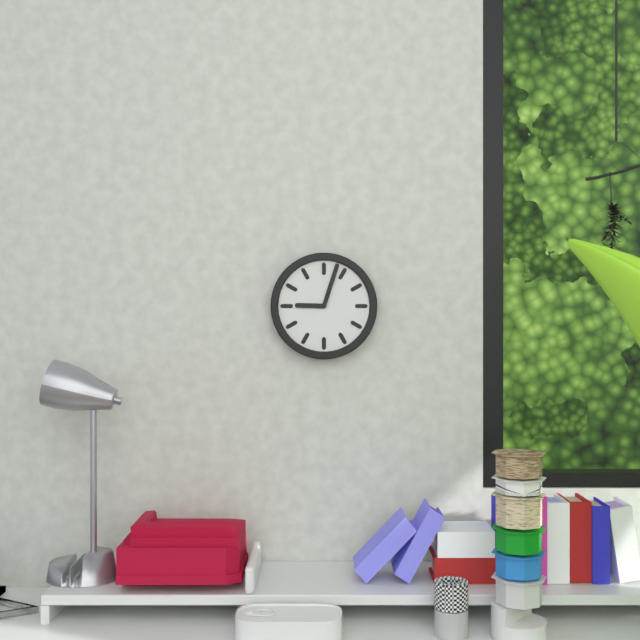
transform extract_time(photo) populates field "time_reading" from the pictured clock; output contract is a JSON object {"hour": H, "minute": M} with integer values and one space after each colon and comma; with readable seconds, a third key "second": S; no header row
{"hour": 9, "minute": 3}
